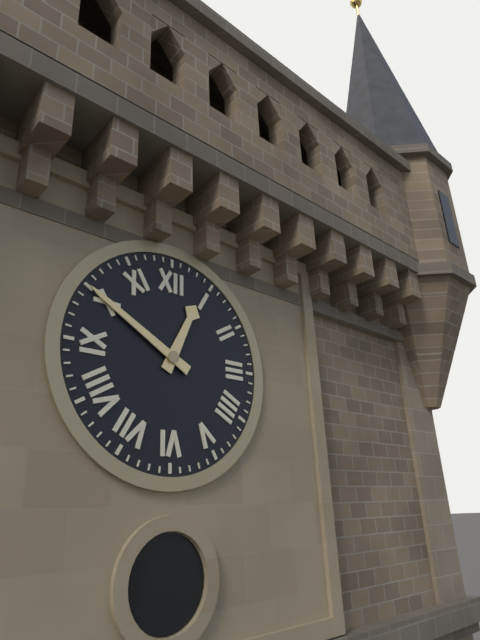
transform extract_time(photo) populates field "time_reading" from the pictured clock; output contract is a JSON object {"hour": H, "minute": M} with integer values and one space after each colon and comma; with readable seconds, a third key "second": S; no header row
{"hour": 12, "minute": 50}
